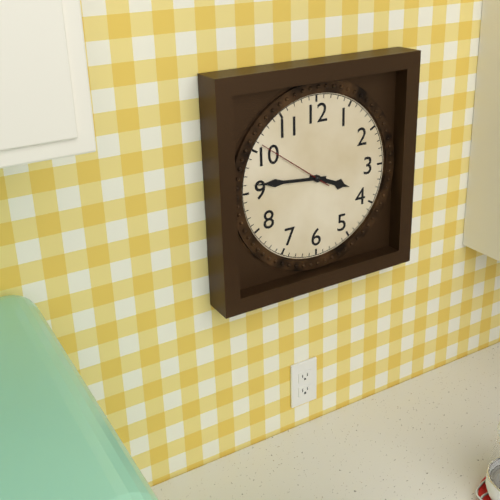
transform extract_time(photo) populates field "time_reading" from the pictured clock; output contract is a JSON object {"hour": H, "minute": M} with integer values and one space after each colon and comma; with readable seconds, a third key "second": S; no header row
{"hour": 3, "minute": 46, "second": 51}
